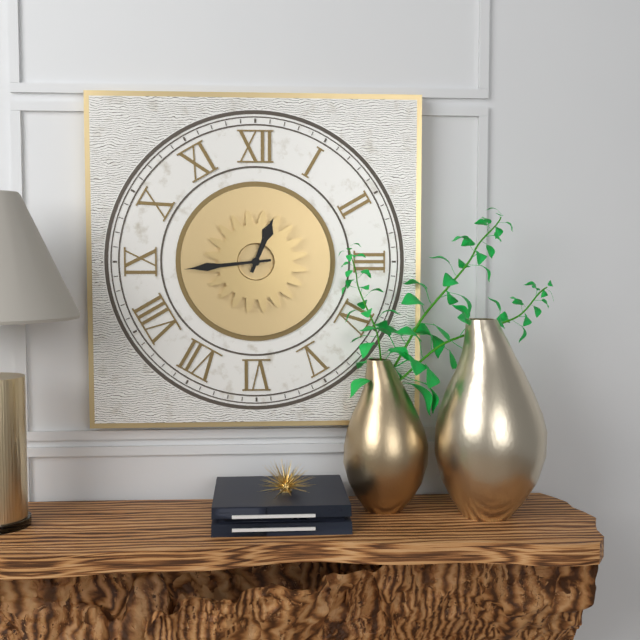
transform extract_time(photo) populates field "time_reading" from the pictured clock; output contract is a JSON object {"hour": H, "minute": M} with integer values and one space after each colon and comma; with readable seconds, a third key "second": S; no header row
{"hour": 12, "minute": 44}
